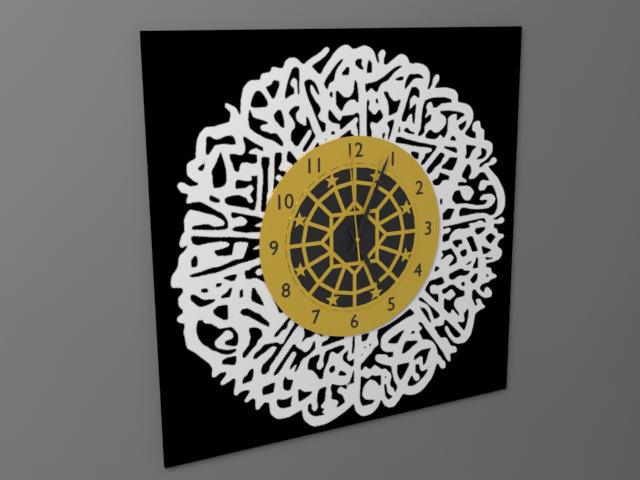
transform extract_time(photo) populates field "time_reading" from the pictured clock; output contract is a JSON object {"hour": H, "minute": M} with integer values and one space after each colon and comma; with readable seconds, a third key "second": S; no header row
{"hour": 5, "minute": 4, "second": 59}
